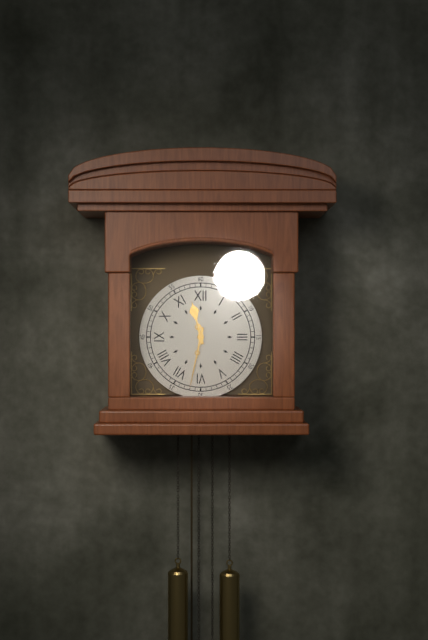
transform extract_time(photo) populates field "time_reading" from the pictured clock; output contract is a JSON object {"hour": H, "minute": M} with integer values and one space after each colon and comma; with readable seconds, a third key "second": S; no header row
{"hour": 11, "minute": 32}
